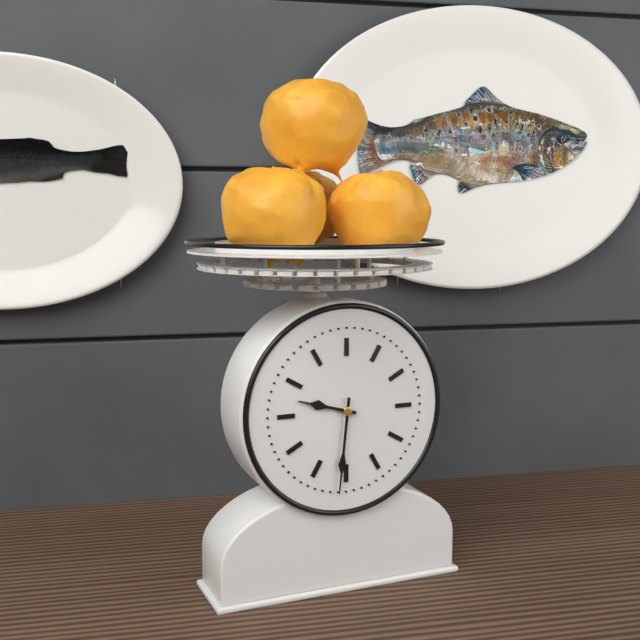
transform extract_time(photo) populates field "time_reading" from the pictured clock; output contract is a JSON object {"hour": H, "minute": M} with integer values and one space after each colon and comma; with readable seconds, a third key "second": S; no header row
{"hour": 9, "minute": 31}
